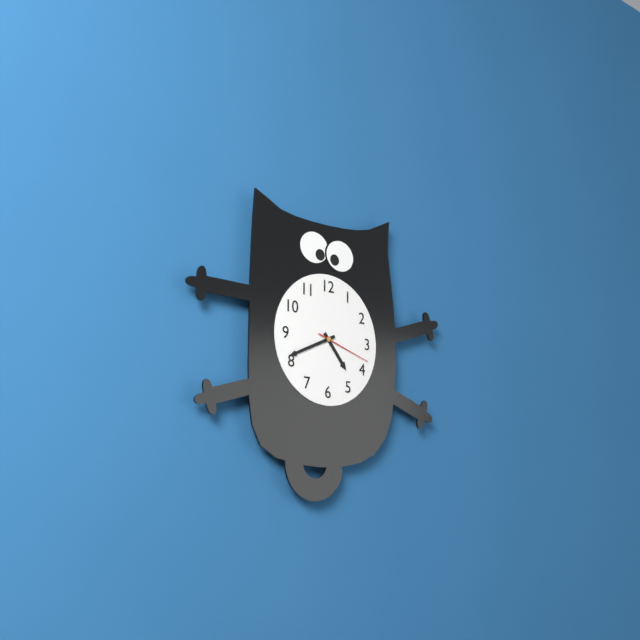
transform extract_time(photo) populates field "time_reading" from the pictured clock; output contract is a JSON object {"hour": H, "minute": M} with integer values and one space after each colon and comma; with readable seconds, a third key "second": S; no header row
{"hour": 4, "minute": 41, "second": 18}
